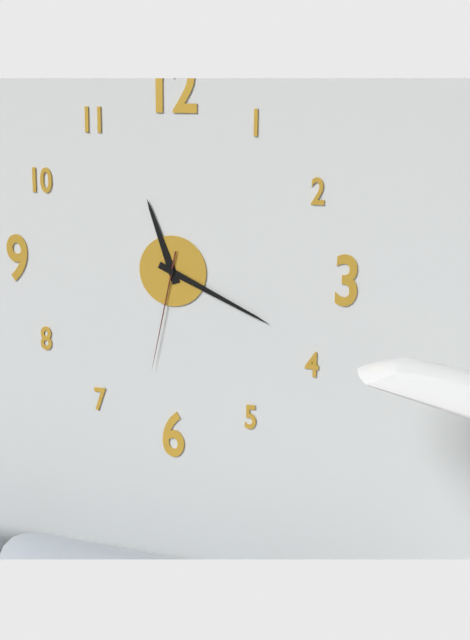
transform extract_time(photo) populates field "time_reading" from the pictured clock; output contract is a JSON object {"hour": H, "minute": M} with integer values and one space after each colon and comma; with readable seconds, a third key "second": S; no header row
{"hour": 11, "minute": 19, "second": 32}
